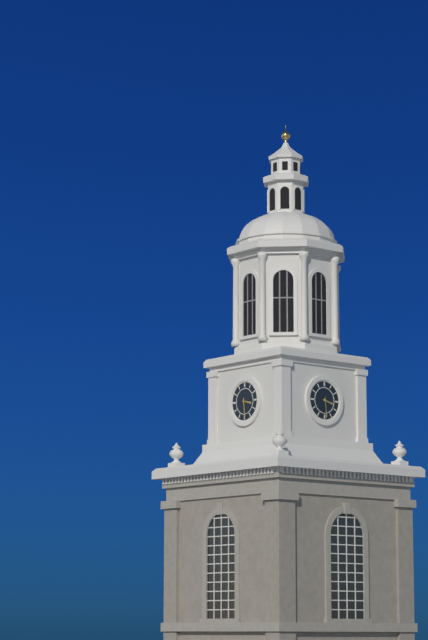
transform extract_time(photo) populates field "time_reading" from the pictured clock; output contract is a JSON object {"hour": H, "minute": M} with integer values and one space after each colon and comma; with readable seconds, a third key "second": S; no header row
{"hour": 3, "minute": 29}
